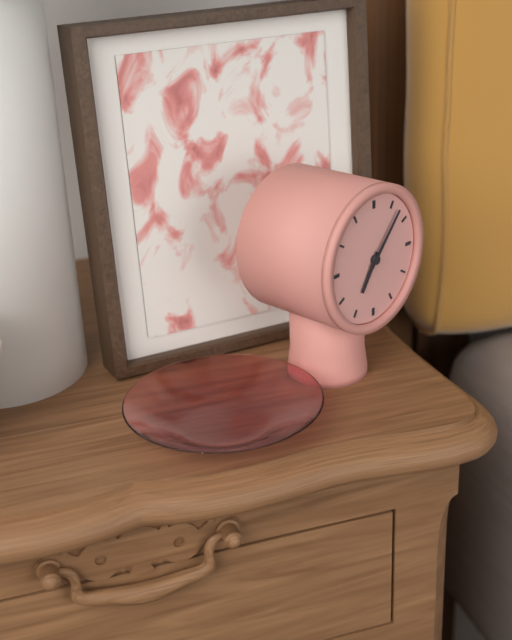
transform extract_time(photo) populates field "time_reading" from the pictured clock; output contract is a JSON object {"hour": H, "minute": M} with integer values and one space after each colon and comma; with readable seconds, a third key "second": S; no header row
{"hour": 7, "minute": 7}
